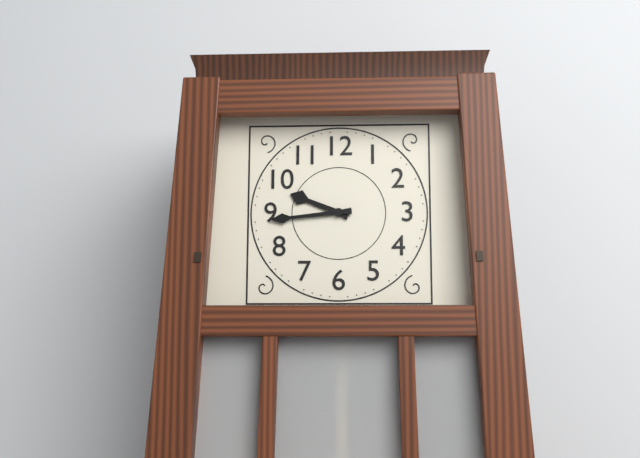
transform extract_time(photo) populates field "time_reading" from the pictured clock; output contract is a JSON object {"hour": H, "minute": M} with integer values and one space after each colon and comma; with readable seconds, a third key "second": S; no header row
{"hour": 9, "minute": 44}
